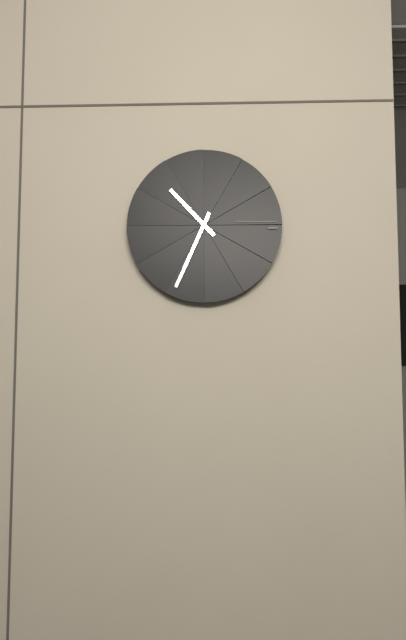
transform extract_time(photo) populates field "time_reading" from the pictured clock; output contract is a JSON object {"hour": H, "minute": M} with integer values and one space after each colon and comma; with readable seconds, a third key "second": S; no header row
{"hour": 10, "minute": 34}
